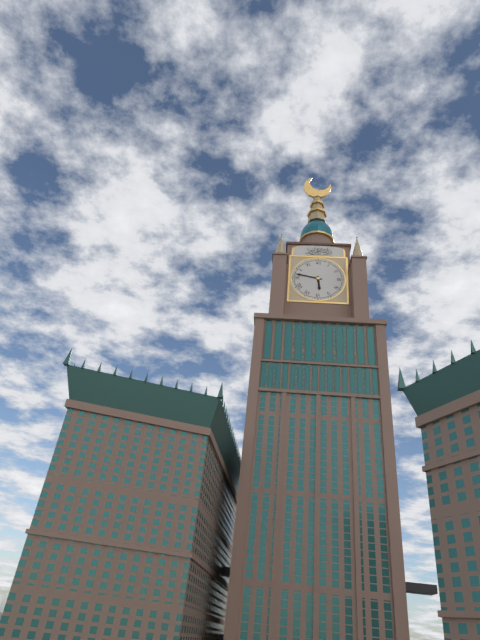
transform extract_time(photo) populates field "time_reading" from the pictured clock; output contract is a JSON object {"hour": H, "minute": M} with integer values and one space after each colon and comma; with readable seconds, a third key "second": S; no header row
{"hour": 5, "minute": 47}
